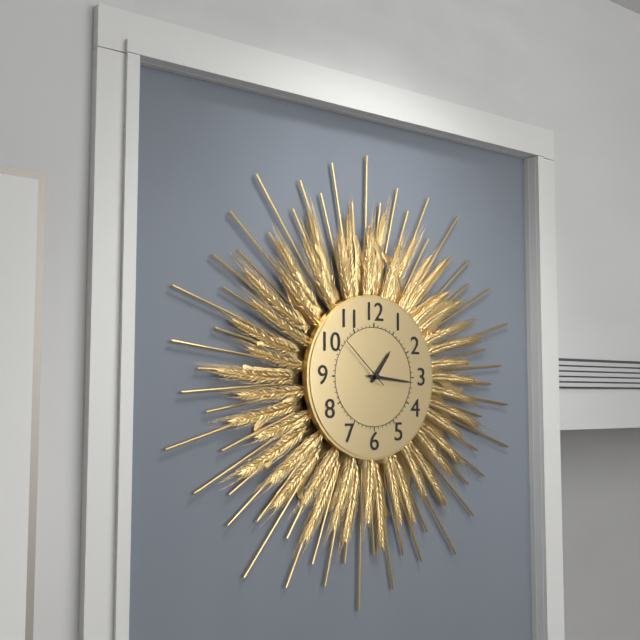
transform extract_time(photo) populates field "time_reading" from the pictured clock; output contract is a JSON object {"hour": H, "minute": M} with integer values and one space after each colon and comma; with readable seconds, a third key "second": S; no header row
{"hour": 1, "minute": 16, "second": 52}
